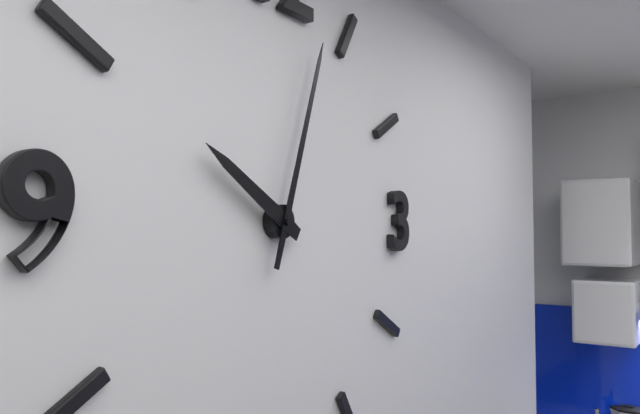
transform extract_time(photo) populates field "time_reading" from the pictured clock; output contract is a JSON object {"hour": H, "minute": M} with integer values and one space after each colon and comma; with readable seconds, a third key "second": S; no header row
{"hour": 10, "minute": 3}
